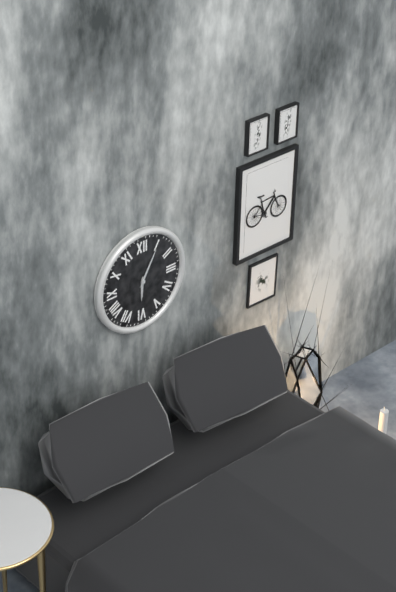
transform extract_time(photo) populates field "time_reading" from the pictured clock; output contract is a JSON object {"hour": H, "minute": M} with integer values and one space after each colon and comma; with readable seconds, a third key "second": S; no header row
{"hour": 6, "minute": 5}
